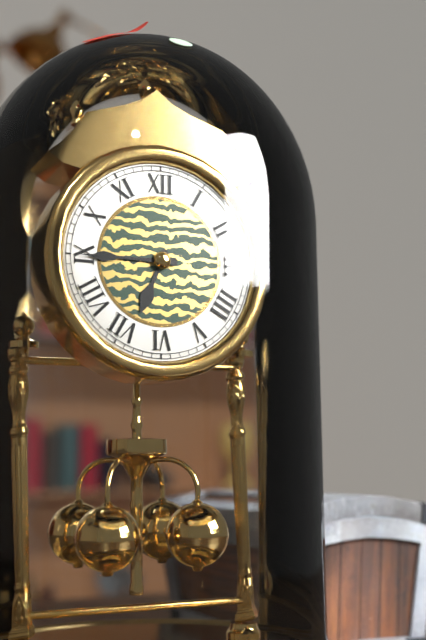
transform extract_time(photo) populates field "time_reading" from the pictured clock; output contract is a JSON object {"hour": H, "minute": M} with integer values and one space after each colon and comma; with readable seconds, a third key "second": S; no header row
{"hour": 6, "minute": 45}
